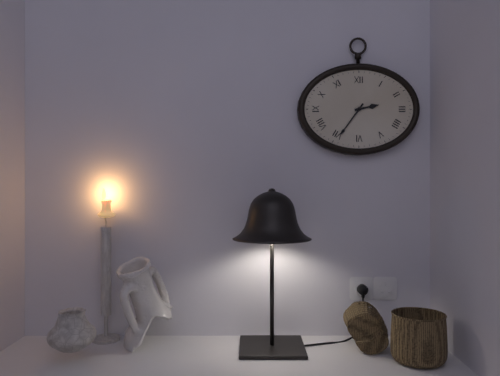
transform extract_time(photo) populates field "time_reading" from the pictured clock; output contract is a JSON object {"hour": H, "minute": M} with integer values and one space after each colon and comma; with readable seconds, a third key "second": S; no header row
{"hour": 2, "minute": 36}
